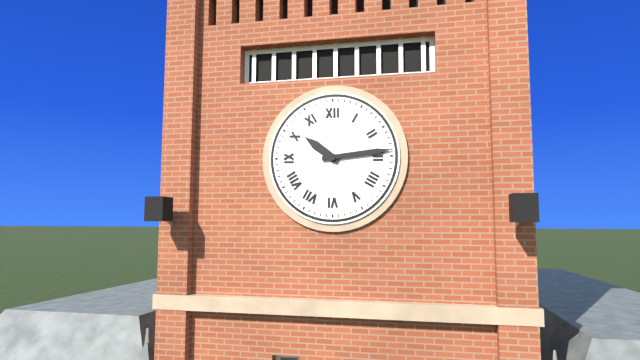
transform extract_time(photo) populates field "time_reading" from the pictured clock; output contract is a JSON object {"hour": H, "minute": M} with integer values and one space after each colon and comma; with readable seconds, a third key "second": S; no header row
{"hour": 10, "minute": 14}
